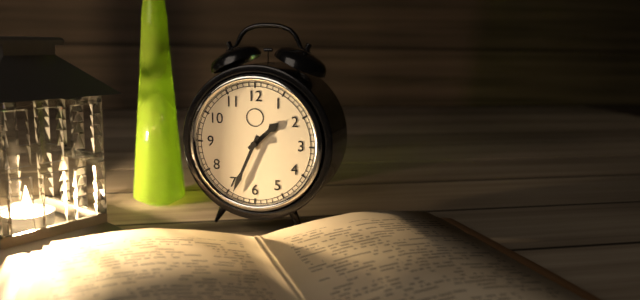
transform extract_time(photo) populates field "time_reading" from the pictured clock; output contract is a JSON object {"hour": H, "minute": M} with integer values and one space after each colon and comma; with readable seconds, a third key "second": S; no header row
{"hour": 1, "minute": 34}
